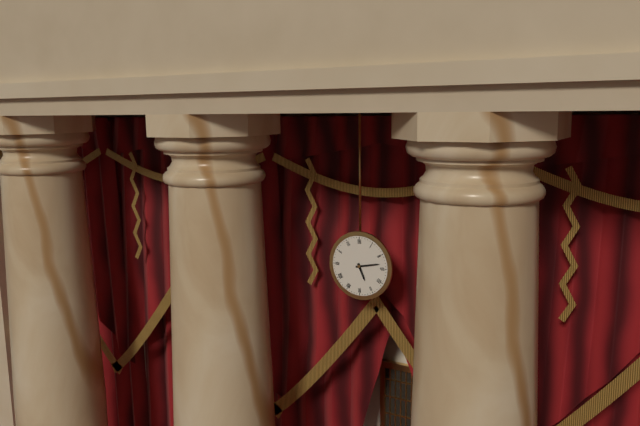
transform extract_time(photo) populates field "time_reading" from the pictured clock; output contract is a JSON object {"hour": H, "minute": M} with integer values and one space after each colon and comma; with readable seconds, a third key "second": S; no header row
{"hour": 5, "minute": 13}
